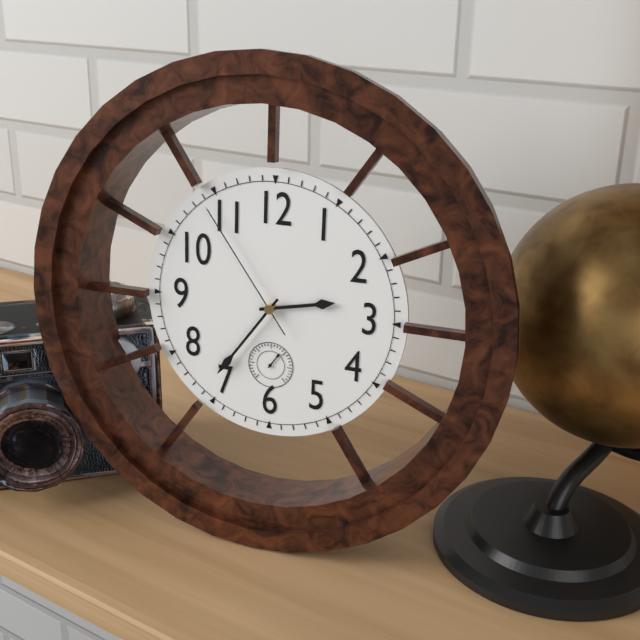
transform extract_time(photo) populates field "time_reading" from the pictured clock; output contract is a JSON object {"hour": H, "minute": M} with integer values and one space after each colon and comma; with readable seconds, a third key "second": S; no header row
{"hour": 2, "minute": 36, "second": 54}
